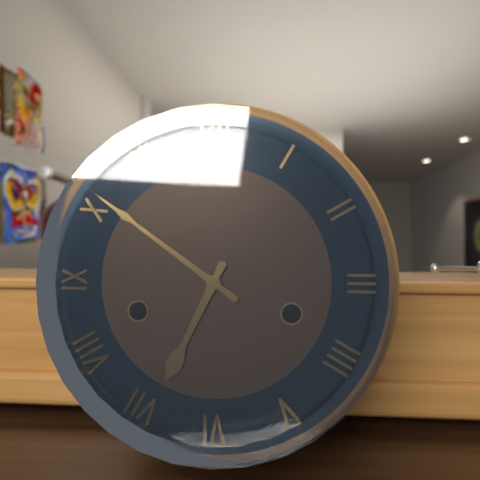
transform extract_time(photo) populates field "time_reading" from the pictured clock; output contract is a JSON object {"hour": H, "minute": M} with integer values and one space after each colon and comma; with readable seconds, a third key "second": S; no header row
{"hour": 6, "minute": 51}
